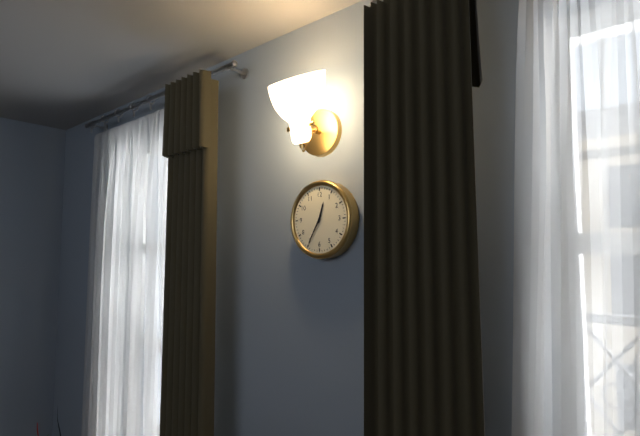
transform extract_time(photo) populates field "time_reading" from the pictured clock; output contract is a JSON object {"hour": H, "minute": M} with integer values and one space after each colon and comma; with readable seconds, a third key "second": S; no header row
{"hour": 12, "minute": 35}
